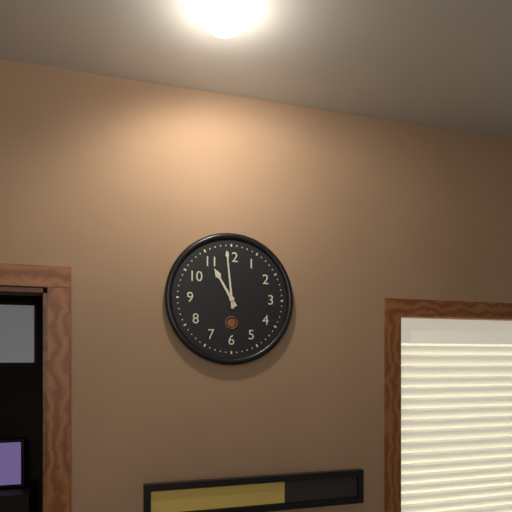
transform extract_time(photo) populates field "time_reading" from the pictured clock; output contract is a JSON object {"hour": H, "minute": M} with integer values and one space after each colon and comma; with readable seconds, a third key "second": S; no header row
{"hour": 10, "minute": 59}
